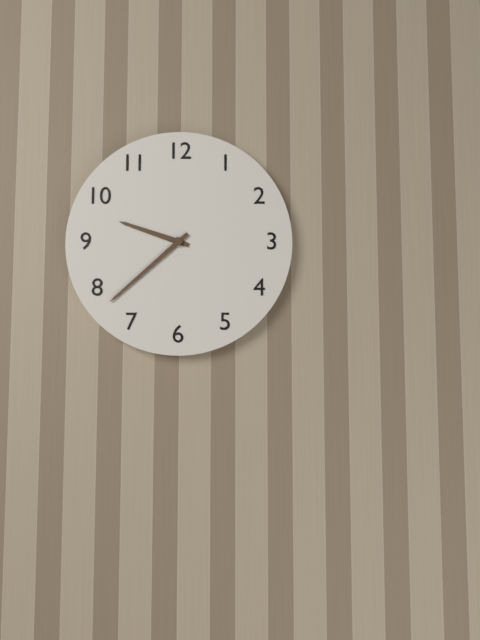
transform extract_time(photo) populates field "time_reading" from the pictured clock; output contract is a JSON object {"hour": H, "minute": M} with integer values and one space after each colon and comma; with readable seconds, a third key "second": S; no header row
{"hour": 9, "minute": 38}
